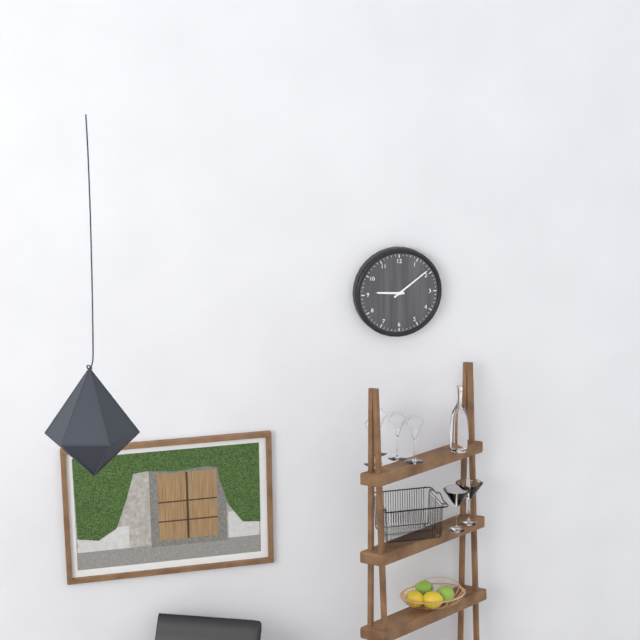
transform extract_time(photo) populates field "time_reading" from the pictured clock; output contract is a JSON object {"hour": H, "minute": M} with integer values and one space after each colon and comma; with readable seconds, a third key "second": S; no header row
{"hour": 9, "minute": 9}
